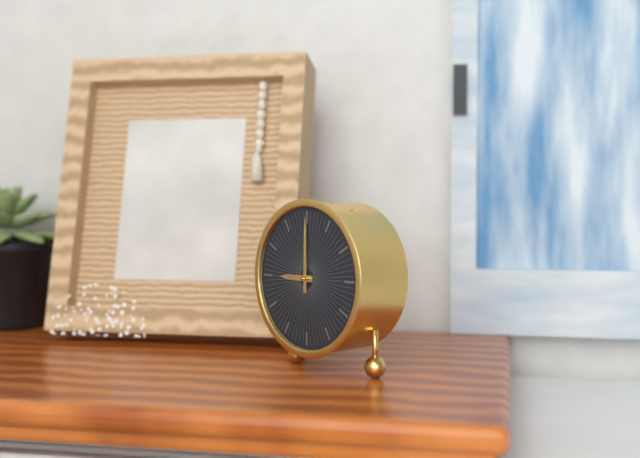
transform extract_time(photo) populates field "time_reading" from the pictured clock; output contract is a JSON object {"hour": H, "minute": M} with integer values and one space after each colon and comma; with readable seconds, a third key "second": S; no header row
{"hour": 9, "minute": 0}
